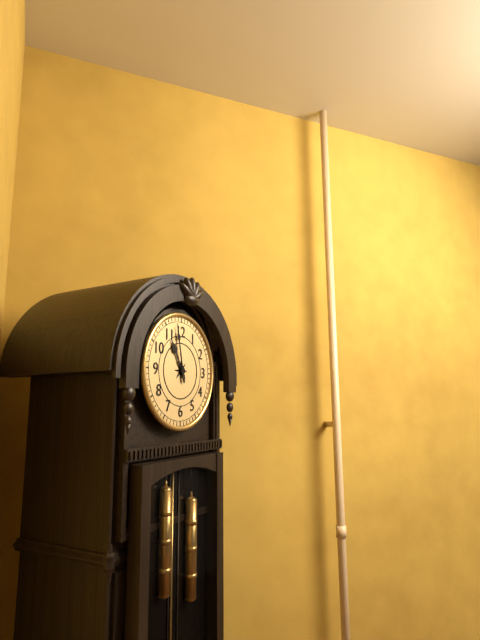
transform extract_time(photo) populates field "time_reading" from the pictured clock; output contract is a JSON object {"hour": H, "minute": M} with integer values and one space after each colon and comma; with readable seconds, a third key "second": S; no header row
{"hour": 10, "minute": 58}
